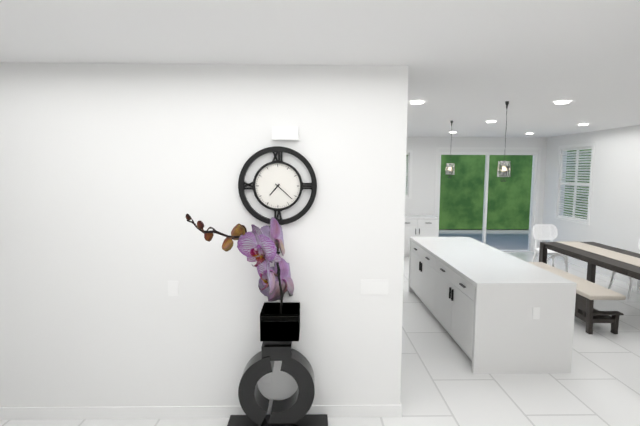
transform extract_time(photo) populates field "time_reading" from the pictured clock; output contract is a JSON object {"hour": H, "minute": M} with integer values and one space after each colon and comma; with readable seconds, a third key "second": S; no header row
{"hour": 7, "minute": 22}
